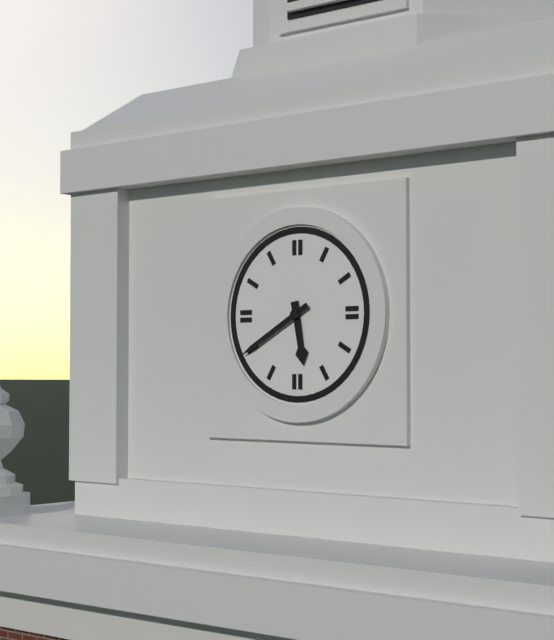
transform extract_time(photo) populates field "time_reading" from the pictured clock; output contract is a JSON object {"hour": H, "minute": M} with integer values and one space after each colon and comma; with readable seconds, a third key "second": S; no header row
{"hour": 5, "minute": 40}
